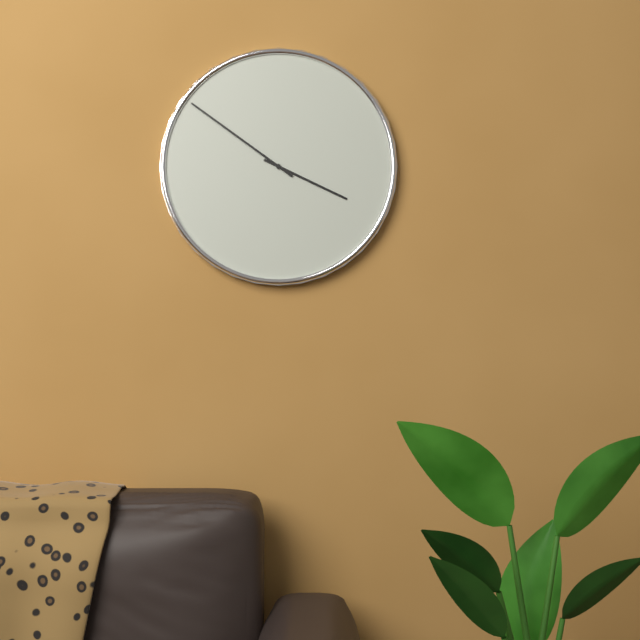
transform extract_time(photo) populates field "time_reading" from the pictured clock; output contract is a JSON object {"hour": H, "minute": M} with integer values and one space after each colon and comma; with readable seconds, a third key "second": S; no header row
{"hour": 3, "minute": 51}
